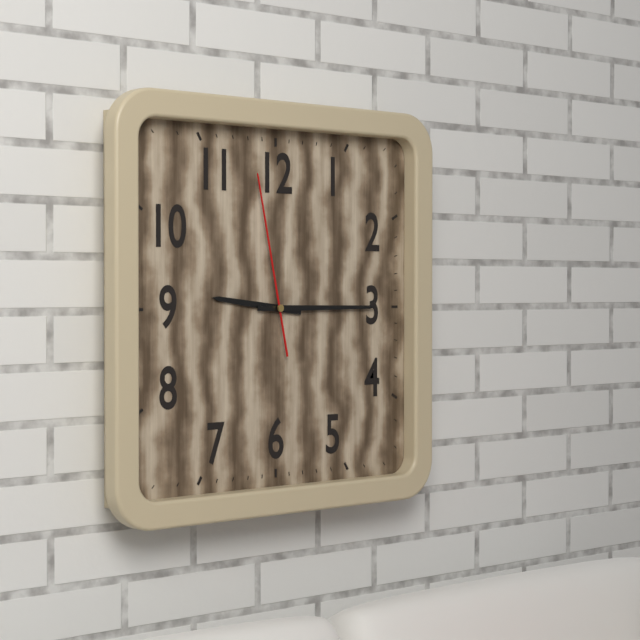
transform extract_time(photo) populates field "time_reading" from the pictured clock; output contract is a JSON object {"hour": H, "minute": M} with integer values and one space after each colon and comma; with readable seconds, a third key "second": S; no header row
{"hour": 9, "minute": 15, "second": 58}
